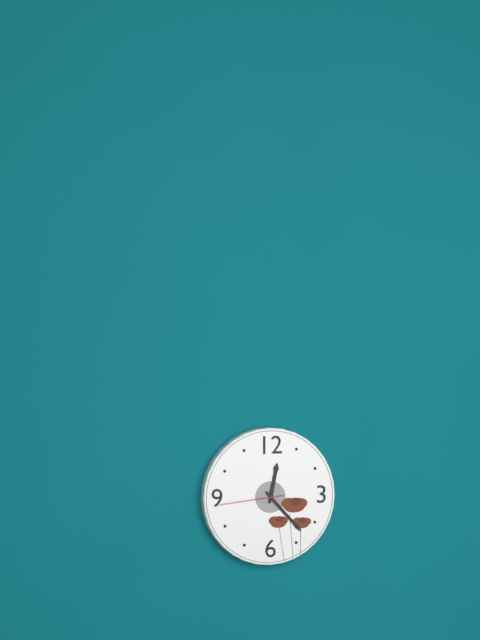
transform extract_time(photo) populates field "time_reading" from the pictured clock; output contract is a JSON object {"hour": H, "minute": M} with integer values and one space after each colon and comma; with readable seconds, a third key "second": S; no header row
{"hour": 12, "minute": 23, "second": 44}
